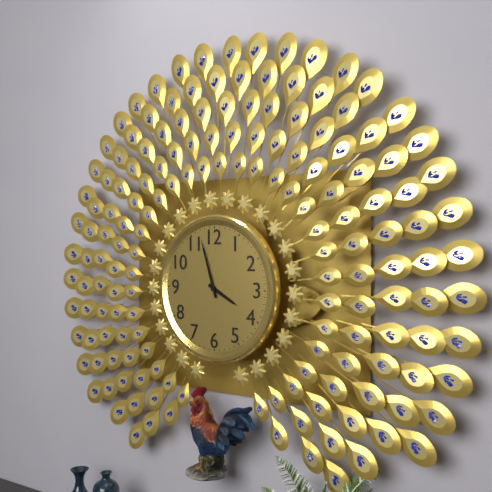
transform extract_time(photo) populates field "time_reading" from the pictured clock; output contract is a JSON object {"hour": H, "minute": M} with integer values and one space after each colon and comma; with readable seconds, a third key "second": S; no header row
{"hour": 3, "minute": 57}
